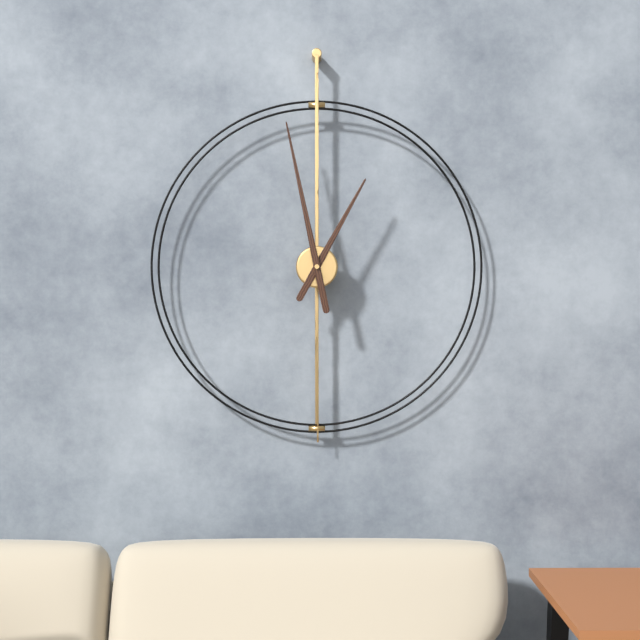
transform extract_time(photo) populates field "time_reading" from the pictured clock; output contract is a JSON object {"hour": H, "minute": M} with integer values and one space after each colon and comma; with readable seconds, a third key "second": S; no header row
{"hour": 12, "minute": 58}
